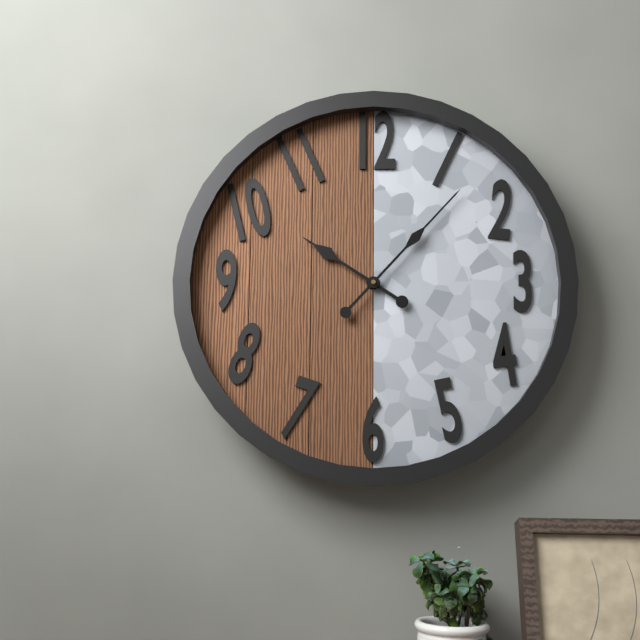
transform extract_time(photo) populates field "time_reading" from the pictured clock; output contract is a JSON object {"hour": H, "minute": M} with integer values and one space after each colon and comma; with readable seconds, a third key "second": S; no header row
{"hour": 10, "minute": 7}
